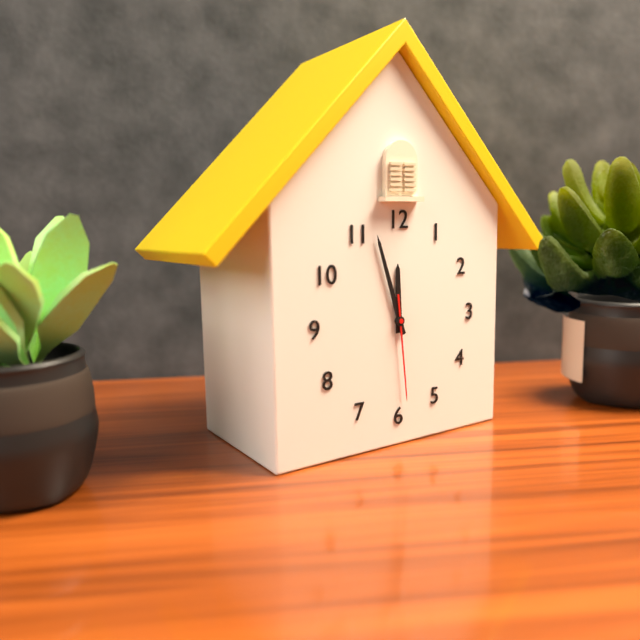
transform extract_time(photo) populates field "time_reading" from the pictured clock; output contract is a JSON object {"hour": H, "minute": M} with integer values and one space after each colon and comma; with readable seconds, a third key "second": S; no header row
{"hour": 11, "minute": 57, "second": 29}
